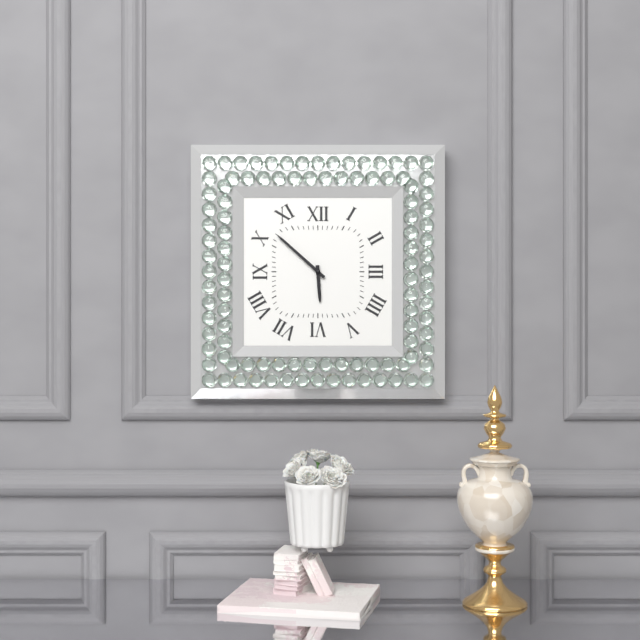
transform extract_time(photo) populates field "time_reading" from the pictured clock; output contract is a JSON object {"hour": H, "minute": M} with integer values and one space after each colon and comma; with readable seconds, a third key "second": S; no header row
{"hour": 5, "minute": 52}
